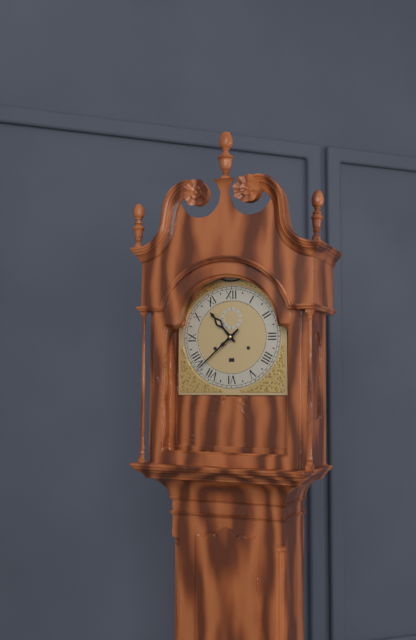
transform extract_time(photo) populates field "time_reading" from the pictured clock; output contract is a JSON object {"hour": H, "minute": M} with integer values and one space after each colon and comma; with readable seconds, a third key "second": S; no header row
{"hour": 10, "minute": 38}
